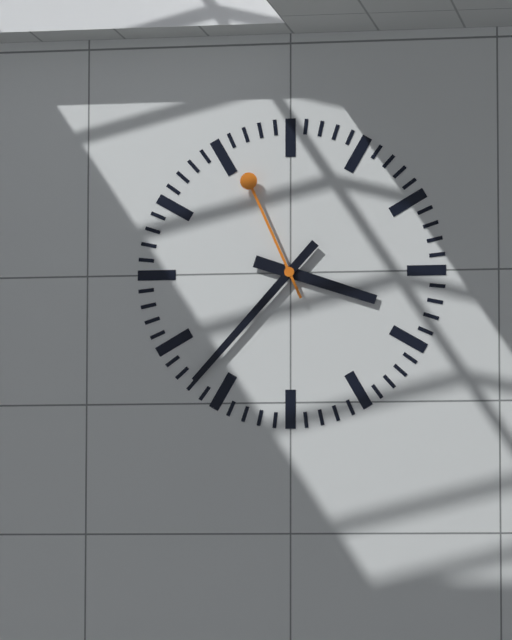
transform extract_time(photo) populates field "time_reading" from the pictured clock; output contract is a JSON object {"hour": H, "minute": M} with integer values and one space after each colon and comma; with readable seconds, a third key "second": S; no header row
{"hour": 3, "minute": 37, "second": 56}
